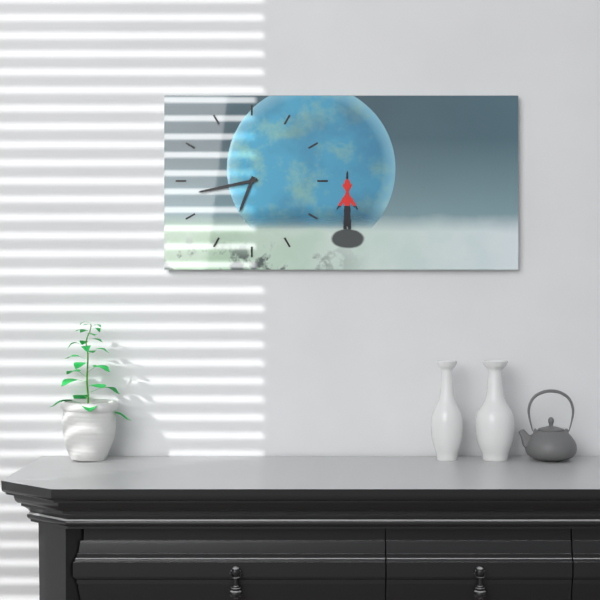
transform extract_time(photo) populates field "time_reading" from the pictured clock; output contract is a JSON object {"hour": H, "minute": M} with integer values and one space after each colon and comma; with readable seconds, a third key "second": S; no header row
{"hour": 6, "minute": 43}
